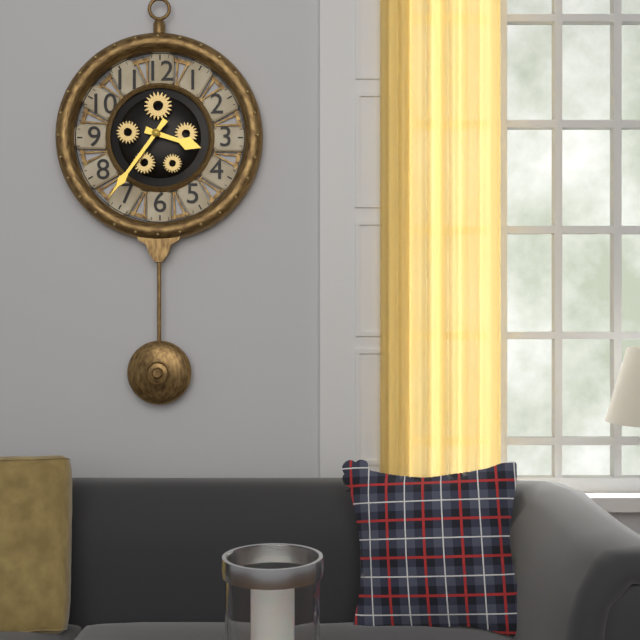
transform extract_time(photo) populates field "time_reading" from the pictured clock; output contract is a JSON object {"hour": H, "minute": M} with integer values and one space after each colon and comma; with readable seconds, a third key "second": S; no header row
{"hour": 3, "minute": 36}
